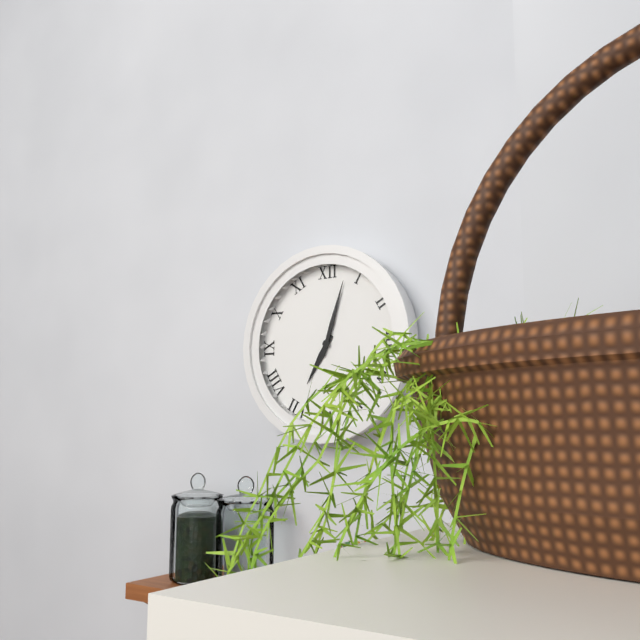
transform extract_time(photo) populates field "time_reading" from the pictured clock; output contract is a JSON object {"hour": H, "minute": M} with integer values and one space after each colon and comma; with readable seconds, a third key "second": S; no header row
{"hour": 7, "minute": 3}
